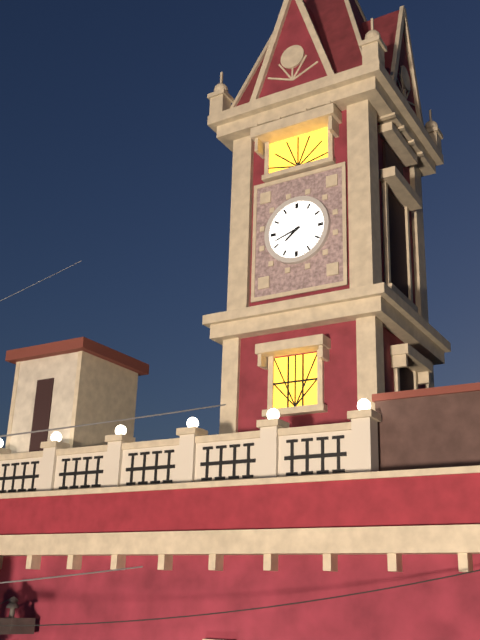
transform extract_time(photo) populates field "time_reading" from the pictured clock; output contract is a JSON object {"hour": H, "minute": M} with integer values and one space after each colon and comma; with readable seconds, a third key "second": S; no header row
{"hour": 7, "minute": 42}
